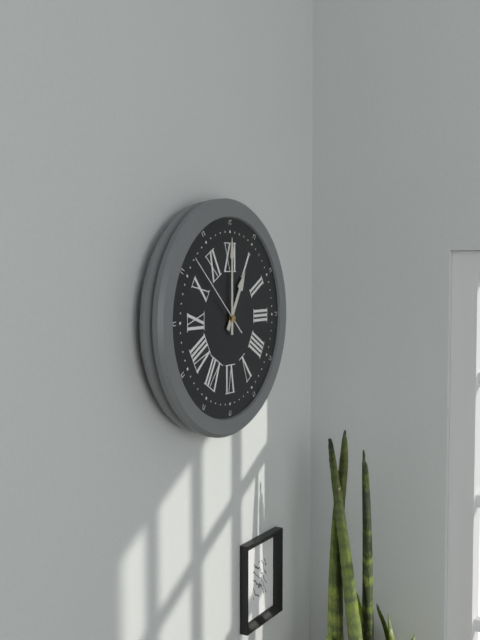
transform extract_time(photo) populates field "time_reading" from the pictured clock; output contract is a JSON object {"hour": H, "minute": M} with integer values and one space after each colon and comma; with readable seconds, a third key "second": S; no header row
{"hour": 1, "minute": 0, "second": 52}
